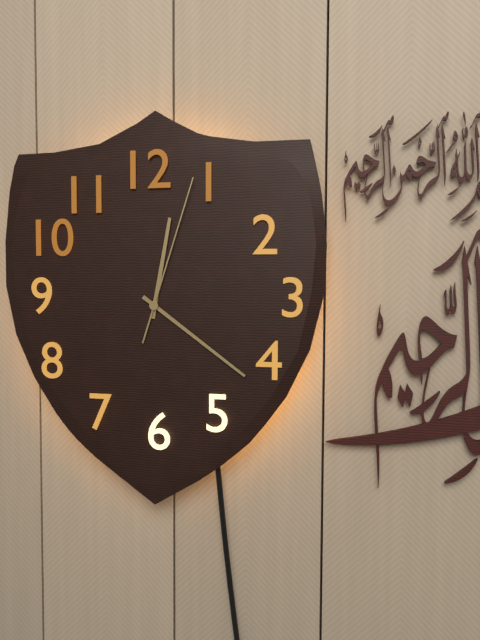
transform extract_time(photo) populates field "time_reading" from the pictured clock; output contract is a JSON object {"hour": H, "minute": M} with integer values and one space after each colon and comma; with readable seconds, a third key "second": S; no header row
{"hour": 12, "minute": 21, "second": 3}
